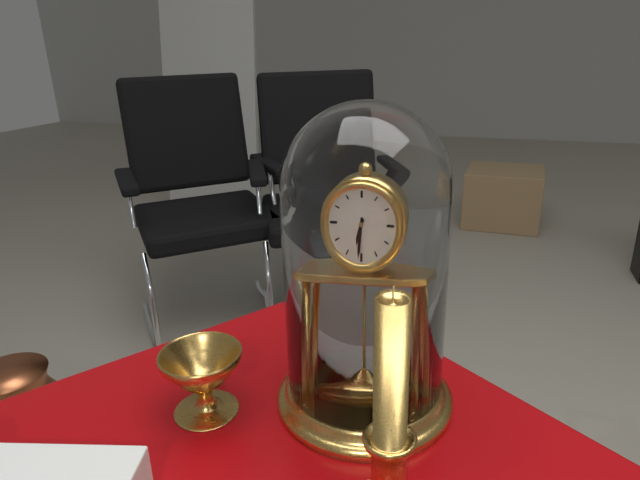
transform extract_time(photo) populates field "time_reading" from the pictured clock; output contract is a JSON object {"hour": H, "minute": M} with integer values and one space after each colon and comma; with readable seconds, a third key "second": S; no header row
{"hour": 6, "minute": 31}
